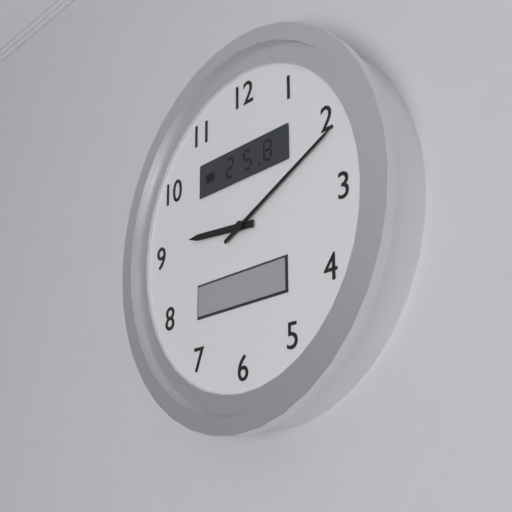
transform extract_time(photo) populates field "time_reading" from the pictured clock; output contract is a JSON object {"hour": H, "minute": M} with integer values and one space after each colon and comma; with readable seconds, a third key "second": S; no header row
{"hour": 9, "minute": 11}
